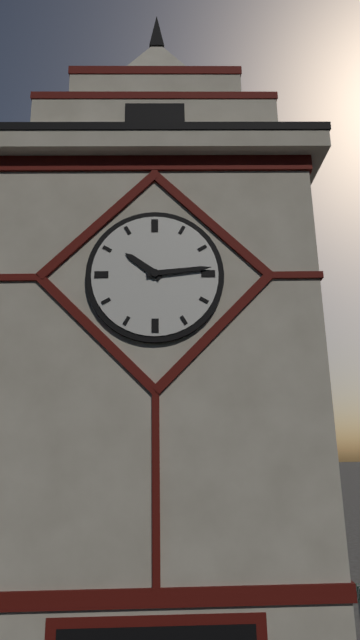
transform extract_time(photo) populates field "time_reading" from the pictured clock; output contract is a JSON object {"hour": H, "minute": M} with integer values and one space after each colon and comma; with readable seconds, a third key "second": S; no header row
{"hour": 10, "minute": 14}
